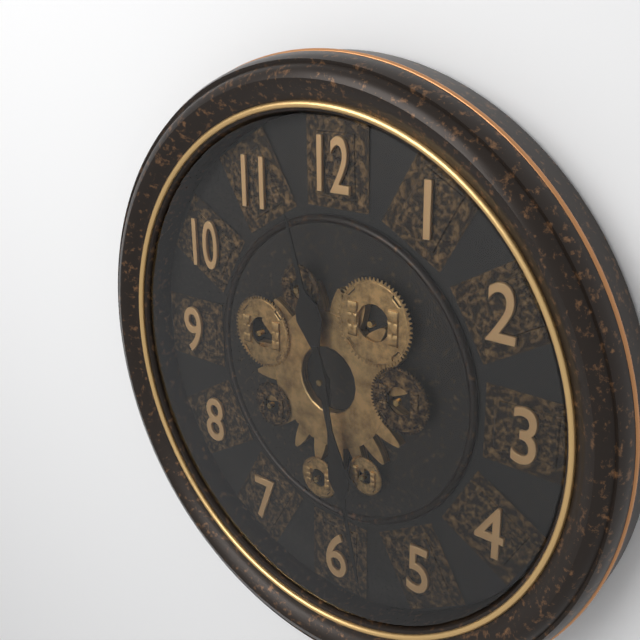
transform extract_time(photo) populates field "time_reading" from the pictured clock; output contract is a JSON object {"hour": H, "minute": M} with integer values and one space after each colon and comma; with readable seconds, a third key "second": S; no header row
{"hour": 11, "minute": 28}
